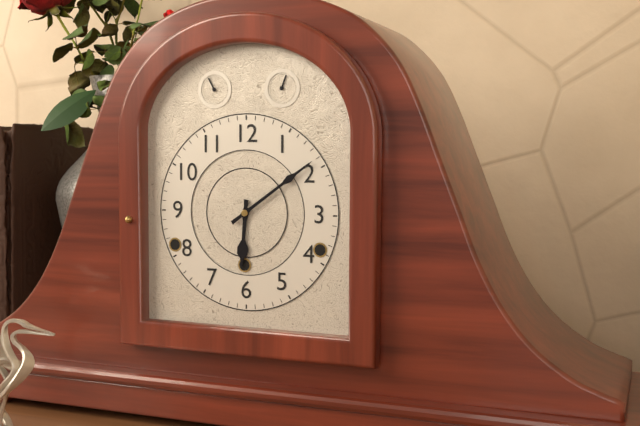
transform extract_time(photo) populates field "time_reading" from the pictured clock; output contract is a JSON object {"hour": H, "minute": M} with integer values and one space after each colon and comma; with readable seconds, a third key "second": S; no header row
{"hour": 6, "minute": 9}
